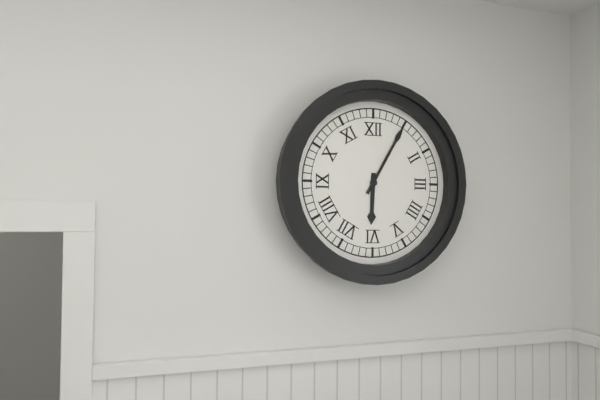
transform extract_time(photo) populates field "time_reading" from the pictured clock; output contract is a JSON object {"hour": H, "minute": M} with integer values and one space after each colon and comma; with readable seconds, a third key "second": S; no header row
{"hour": 6, "minute": 5}
